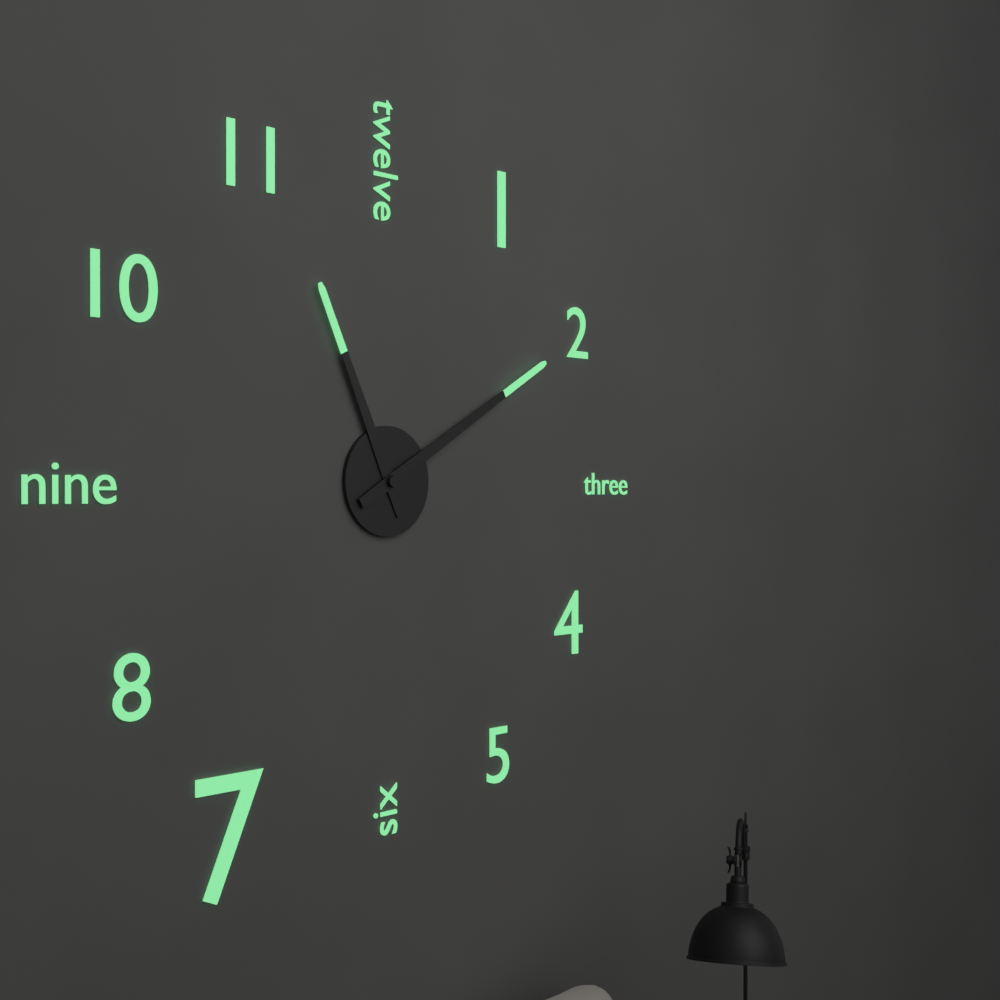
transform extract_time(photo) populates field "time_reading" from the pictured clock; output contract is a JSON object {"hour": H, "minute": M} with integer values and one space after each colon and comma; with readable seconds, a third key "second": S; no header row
{"hour": 11, "minute": 10}
